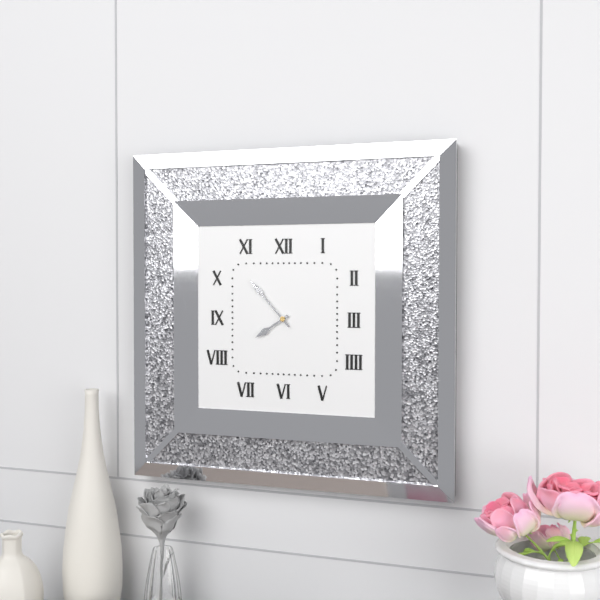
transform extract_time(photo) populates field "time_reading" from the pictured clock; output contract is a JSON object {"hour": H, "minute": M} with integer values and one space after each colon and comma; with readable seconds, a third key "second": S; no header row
{"hour": 7, "minute": 53}
